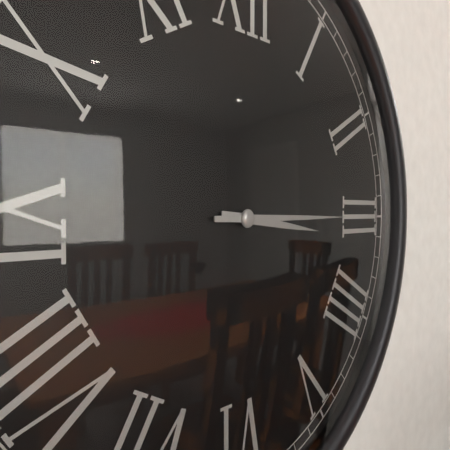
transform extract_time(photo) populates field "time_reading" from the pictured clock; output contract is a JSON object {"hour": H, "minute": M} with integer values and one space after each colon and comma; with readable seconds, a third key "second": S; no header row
{"hour": 3, "minute": 15}
